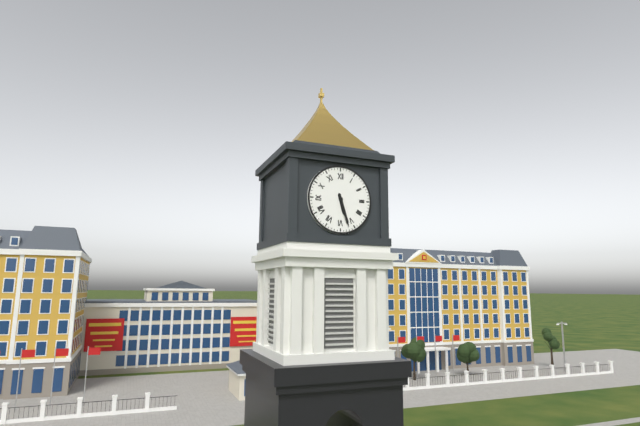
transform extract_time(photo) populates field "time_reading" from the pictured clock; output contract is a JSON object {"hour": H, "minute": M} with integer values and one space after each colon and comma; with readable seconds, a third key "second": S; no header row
{"hour": 5, "minute": 27}
